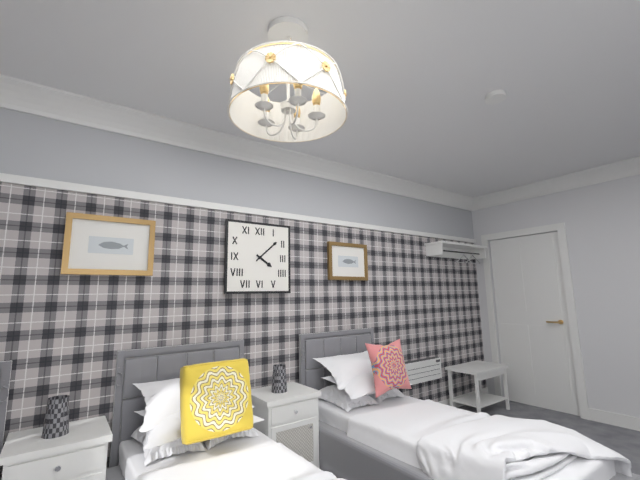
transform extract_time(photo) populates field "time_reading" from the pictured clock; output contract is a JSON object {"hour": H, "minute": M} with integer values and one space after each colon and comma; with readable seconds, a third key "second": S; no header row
{"hour": 4, "minute": 8}
